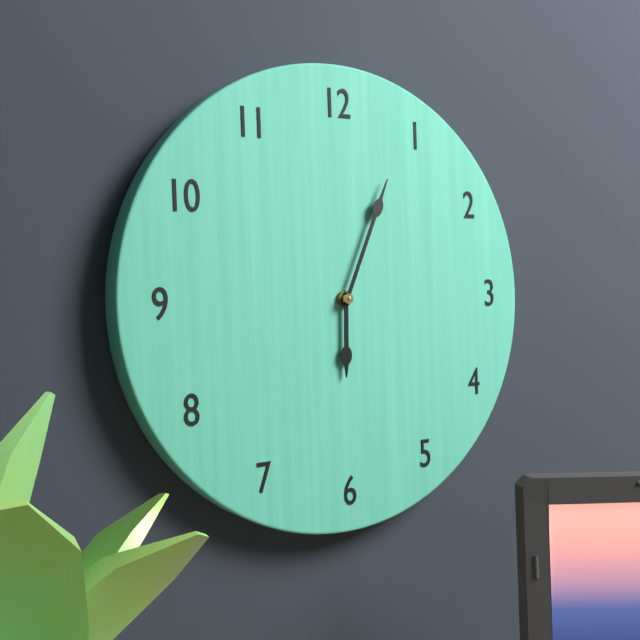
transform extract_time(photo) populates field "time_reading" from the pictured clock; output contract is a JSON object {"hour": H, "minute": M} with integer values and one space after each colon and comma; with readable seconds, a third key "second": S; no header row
{"hour": 6, "minute": 4}
